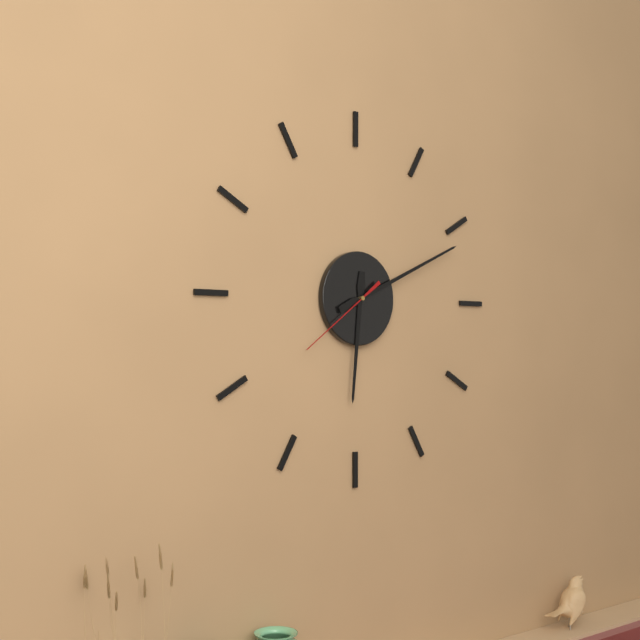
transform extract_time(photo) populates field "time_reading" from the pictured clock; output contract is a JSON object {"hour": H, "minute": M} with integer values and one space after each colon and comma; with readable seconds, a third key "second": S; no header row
{"hour": 6, "minute": 11, "second": 39}
